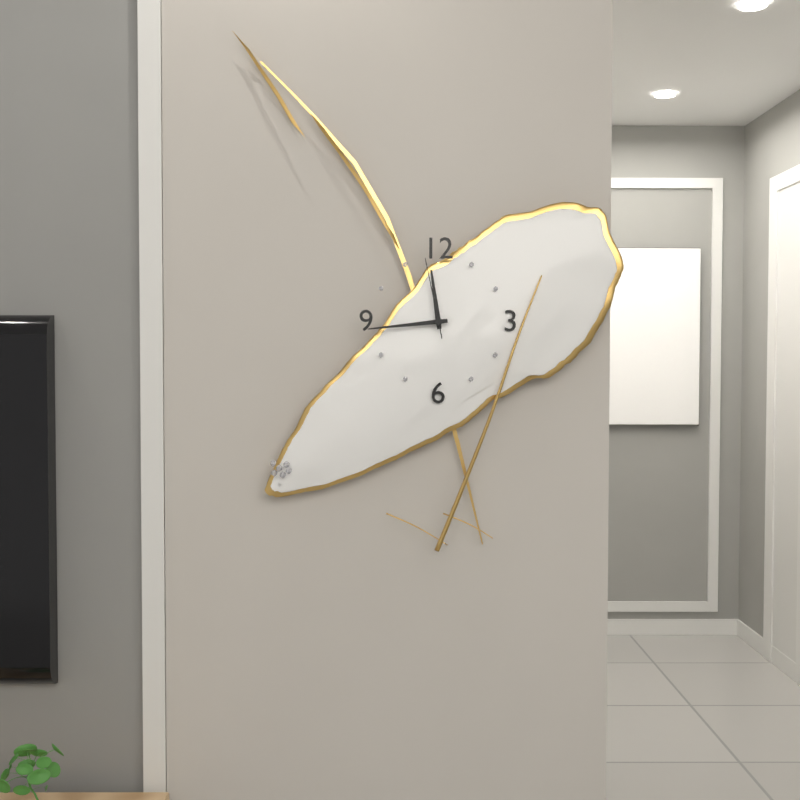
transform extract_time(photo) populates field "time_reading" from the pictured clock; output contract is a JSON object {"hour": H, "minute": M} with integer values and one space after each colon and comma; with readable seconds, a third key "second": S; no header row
{"hour": 11, "minute": 44, "second": 58}
